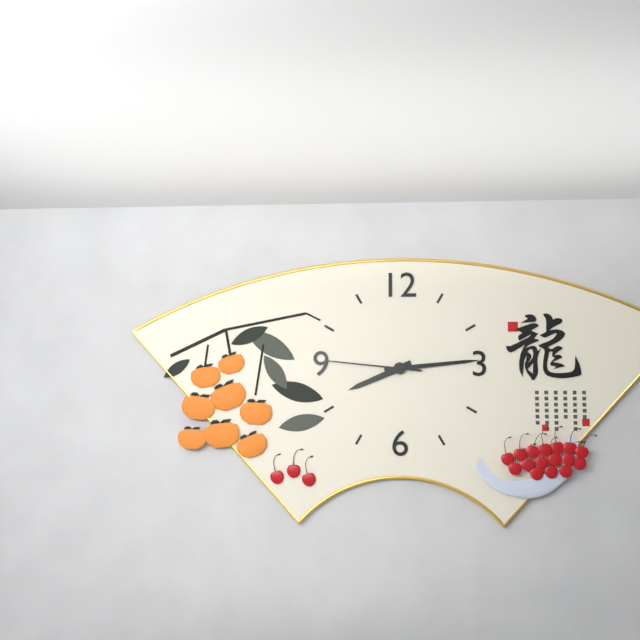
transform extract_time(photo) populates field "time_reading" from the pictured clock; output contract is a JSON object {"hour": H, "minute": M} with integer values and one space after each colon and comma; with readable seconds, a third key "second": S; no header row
{"hour": 8, "minute": 14, "second": 46}
